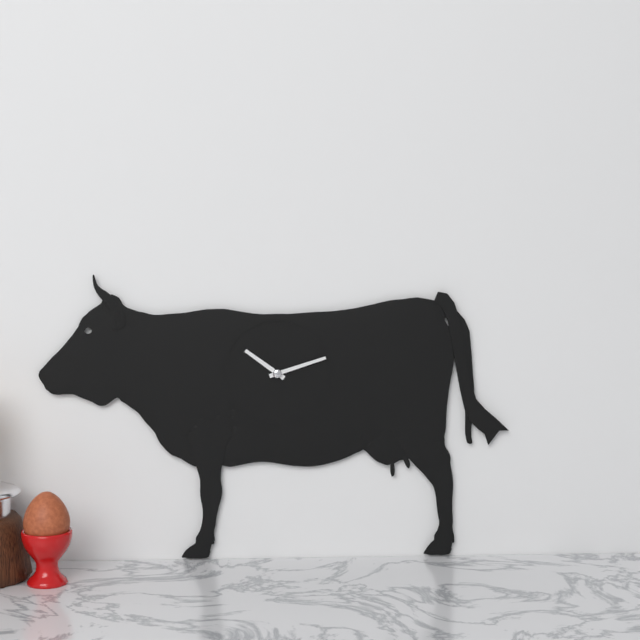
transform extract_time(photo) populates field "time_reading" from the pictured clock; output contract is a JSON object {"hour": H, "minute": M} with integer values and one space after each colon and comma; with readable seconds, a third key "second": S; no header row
{"hour": 10, "minute": 12}
